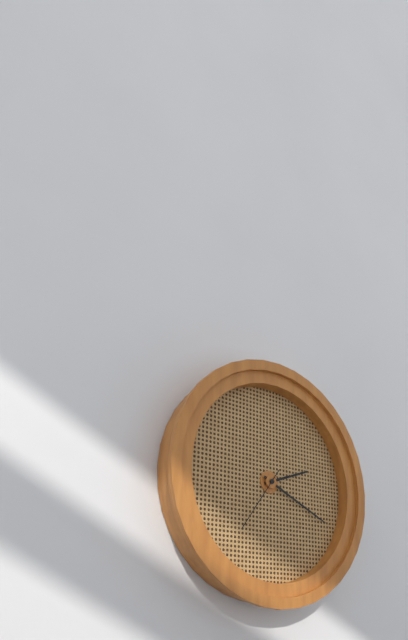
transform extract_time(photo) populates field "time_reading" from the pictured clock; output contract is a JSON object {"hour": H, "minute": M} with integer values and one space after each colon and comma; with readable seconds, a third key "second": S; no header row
{"hour": 2, "minute": 19, "second": 36}
